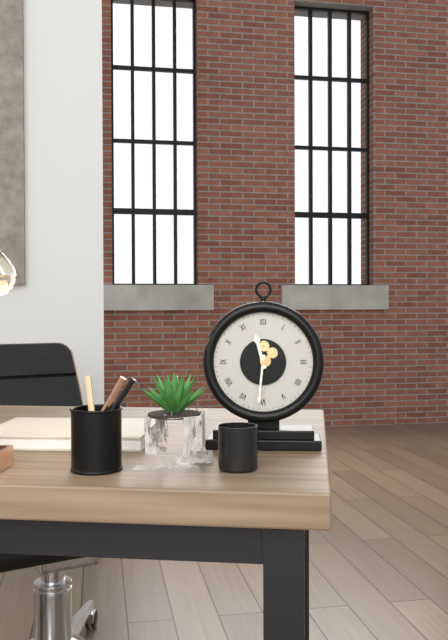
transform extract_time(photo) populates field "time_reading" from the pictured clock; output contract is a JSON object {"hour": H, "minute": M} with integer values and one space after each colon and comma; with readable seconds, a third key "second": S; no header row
{"hour": 11, "minute": 31}
